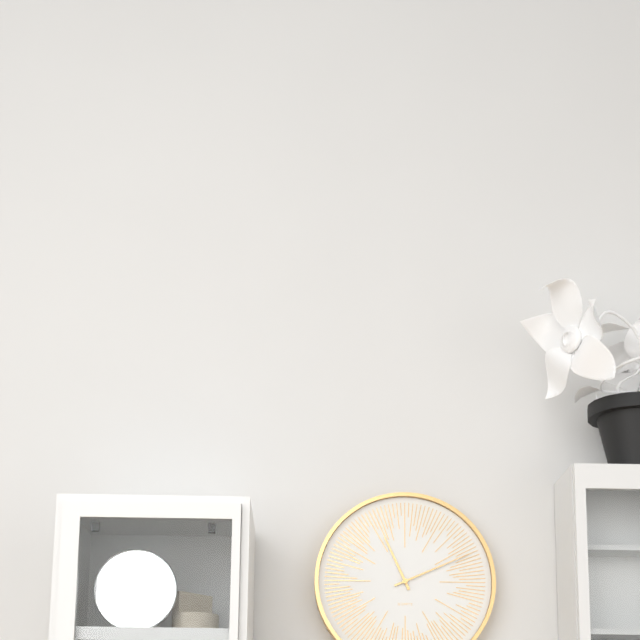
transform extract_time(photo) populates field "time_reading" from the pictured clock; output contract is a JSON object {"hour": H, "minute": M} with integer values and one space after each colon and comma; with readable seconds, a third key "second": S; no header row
{"hour": 11, "minute": 11}
